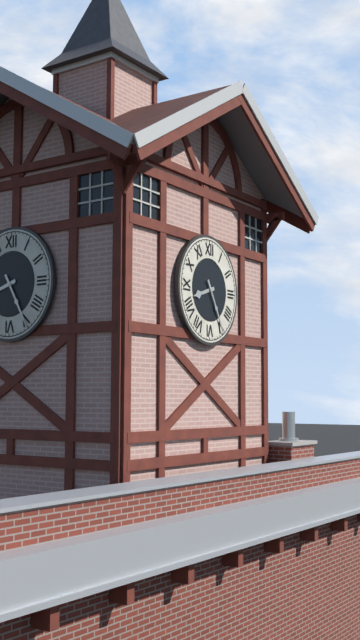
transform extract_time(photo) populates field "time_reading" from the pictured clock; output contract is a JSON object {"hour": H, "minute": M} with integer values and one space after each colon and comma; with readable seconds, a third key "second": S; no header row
{"hour": 8, "minute": 25}
